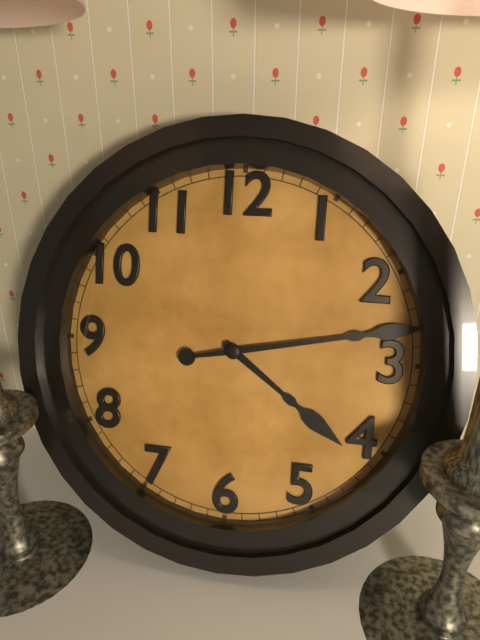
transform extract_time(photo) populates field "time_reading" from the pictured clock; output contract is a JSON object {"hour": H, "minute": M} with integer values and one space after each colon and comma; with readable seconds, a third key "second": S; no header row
{"hour": 4, "minute": 13}
